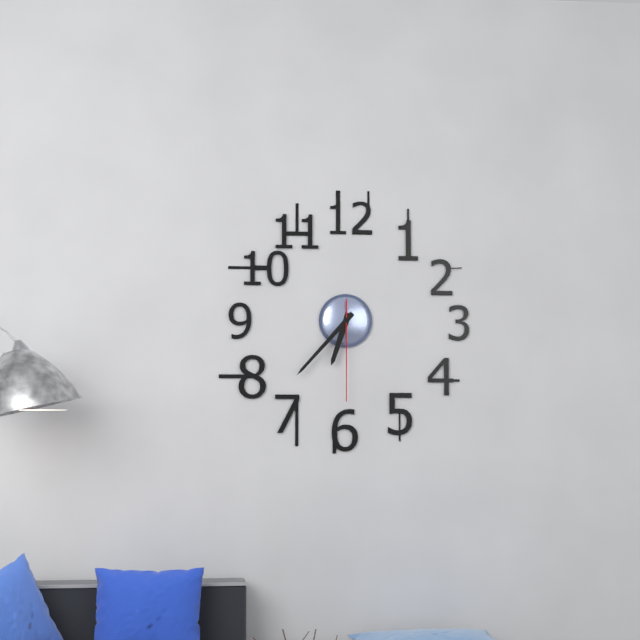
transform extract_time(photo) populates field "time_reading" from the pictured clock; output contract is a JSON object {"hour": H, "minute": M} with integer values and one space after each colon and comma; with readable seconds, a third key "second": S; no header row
{"hour": 6, "minute": 37, "second": 30}
